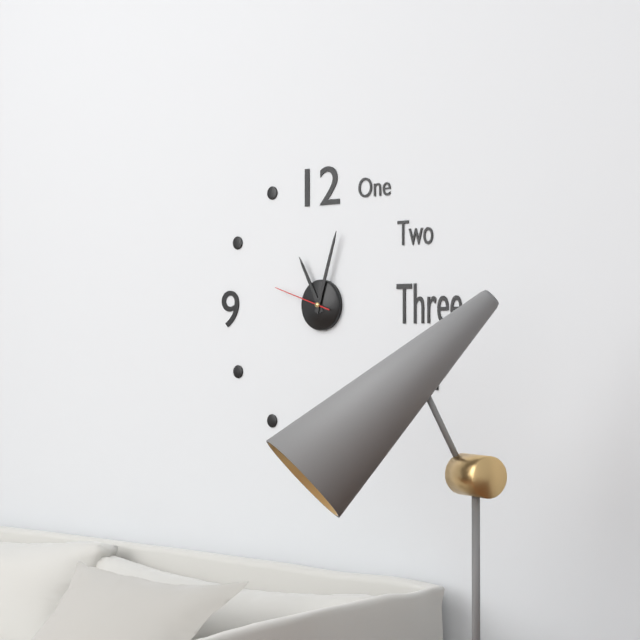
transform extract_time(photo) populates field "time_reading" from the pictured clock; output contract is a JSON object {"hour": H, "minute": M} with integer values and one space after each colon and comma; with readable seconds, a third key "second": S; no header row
{"hour": 11, "minute": 3, "second": 48}
